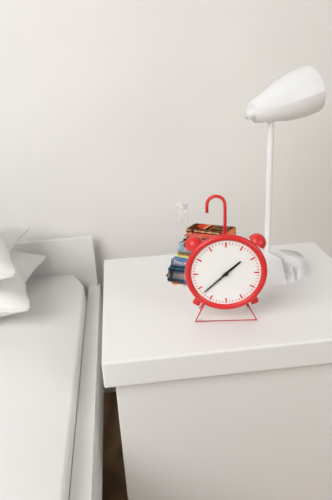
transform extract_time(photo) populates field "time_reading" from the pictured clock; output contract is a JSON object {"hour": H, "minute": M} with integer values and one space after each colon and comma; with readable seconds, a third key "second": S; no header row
{"hour": 1, "minute": 38}
